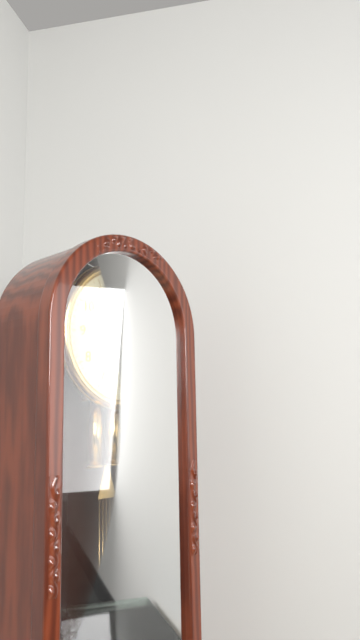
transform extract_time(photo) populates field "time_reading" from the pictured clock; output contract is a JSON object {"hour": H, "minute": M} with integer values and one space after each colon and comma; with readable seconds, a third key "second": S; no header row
{"hour": 2, "minute": 18}
